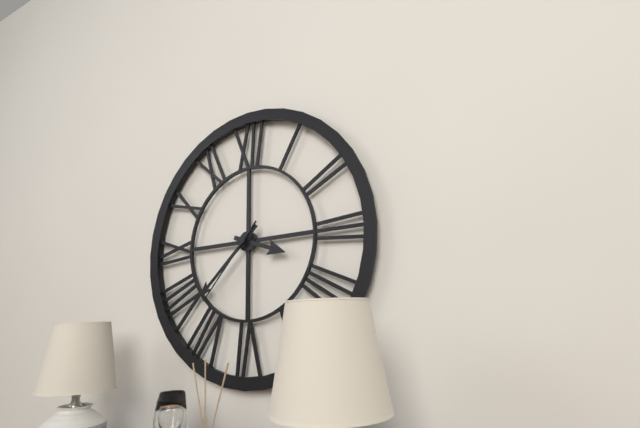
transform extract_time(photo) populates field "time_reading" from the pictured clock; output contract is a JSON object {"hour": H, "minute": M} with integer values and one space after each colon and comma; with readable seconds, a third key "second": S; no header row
{"hour": 3, "minute": 38, "second": 37}
